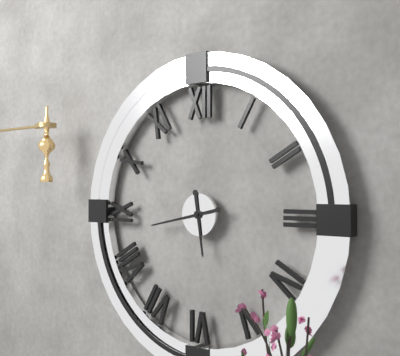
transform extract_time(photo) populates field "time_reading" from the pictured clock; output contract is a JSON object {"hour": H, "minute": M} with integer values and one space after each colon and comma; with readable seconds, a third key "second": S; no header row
{"hour": 5, "minute": 43}
